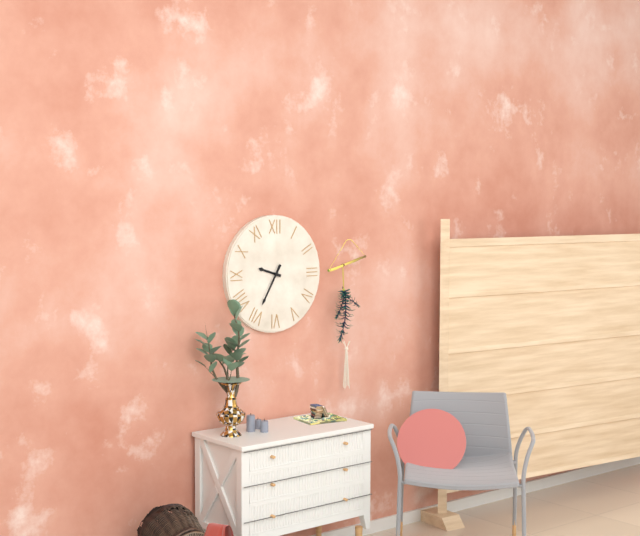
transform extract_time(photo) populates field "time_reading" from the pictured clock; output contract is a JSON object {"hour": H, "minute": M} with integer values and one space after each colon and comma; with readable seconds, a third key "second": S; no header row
{"hour": 9, "minute": 35}
